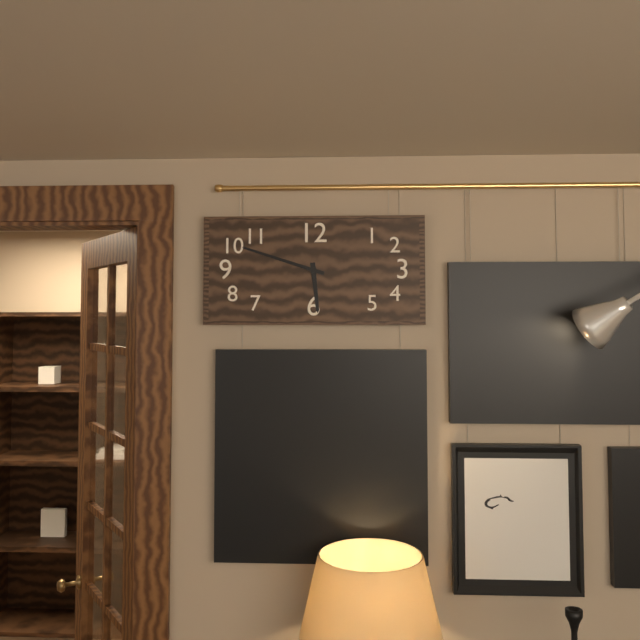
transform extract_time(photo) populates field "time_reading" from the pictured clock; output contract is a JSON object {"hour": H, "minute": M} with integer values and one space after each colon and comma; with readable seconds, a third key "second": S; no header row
{"hour": 5, "minute": 48}
